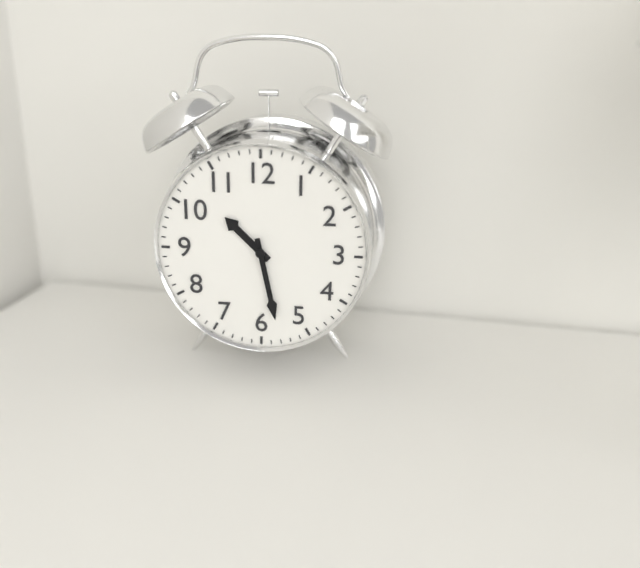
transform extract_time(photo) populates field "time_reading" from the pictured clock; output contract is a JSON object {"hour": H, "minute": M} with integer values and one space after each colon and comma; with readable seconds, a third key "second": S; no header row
{"hour": 10, "minute": 28}
